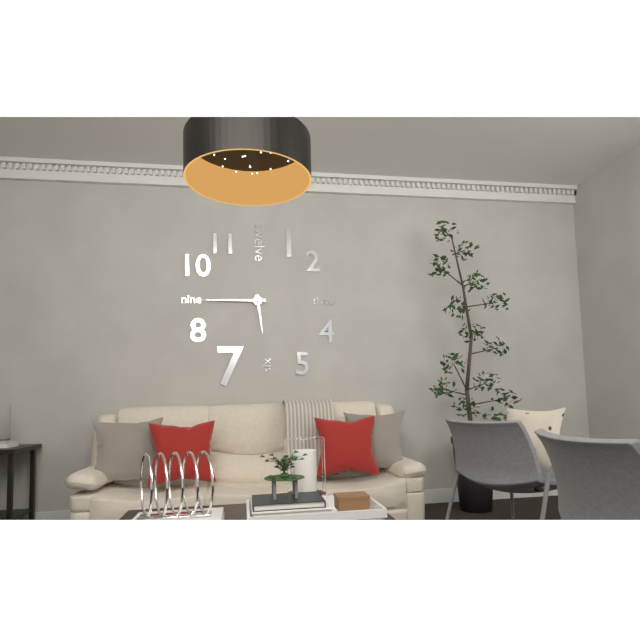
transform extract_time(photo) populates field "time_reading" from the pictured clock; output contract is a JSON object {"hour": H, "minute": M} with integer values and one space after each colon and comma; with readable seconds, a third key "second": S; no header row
{"hour": 5, "minute": 45}
